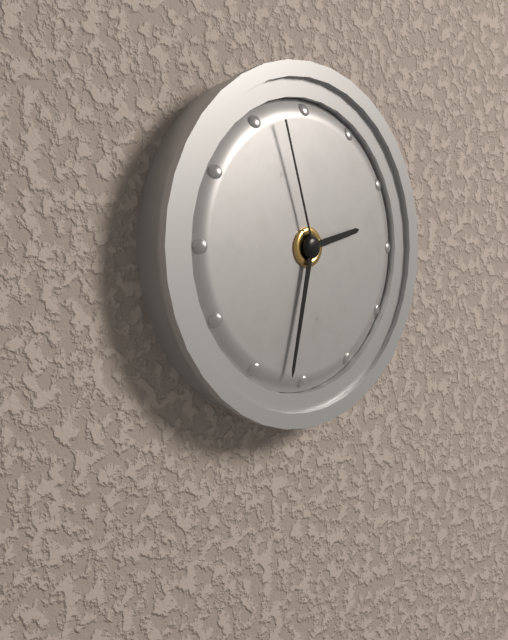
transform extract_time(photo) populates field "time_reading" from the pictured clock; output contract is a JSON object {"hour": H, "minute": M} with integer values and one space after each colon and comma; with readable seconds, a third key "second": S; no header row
{"hour": 2, "minute": 32, "second": 57}
